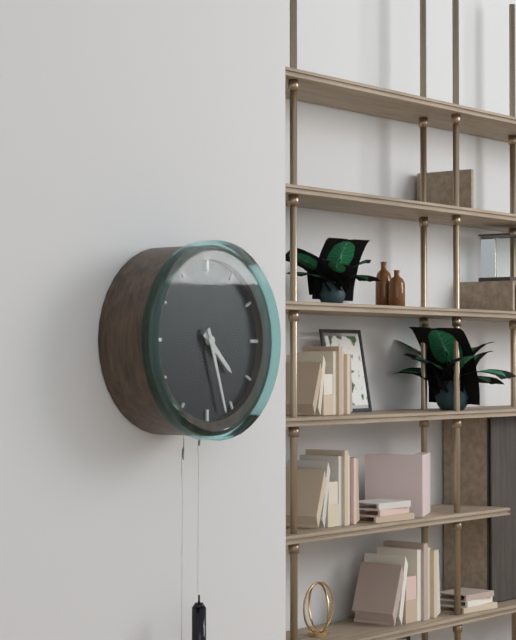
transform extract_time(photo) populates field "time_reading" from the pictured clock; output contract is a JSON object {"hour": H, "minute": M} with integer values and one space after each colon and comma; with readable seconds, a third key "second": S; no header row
{"hour": 4, "minute": 27}
